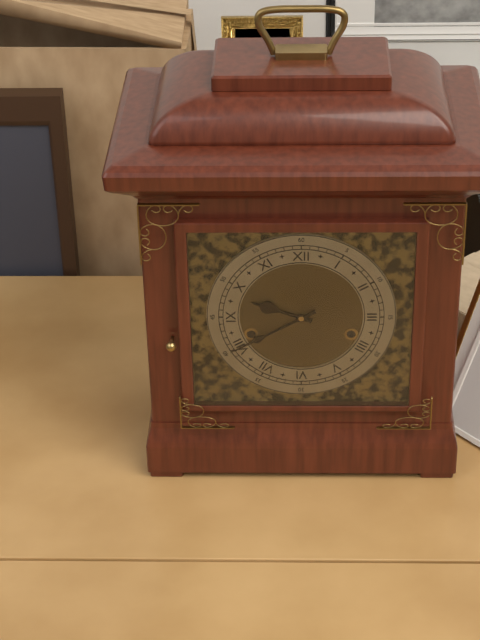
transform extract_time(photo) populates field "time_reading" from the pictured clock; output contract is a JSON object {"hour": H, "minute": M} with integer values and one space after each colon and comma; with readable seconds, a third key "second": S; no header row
{"hour": 9, "minute": 40}
